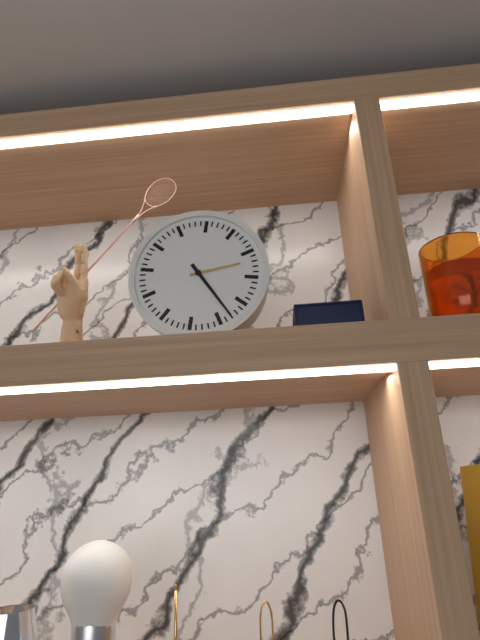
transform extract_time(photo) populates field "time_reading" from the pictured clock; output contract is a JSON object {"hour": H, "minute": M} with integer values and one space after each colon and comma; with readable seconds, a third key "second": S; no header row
{"hour": 2, "minute": 23}
